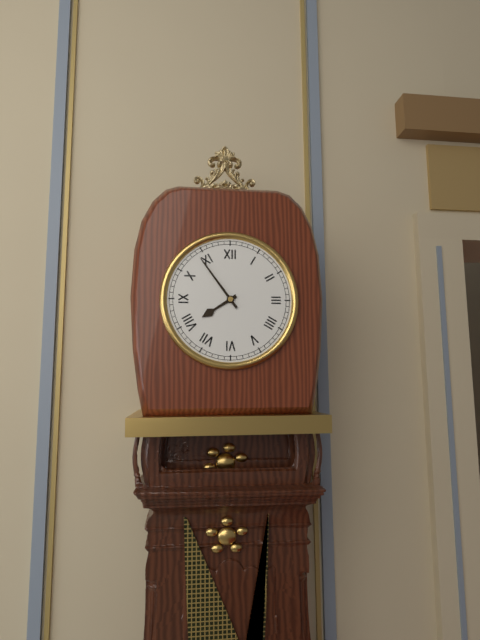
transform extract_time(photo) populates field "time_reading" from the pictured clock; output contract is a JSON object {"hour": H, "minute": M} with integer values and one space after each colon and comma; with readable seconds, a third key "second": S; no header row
{"hour": 7, "minute": 54}
